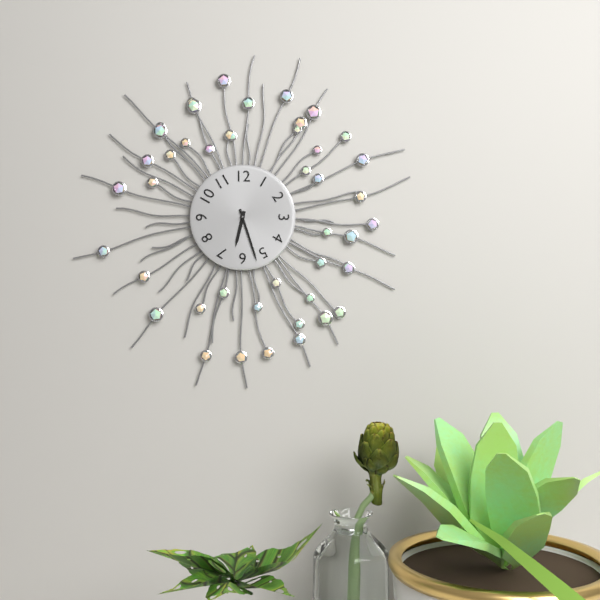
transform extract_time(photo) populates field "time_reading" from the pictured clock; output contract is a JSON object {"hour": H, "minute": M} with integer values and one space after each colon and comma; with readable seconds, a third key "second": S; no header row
{"hour": 6, "minute": 27}
